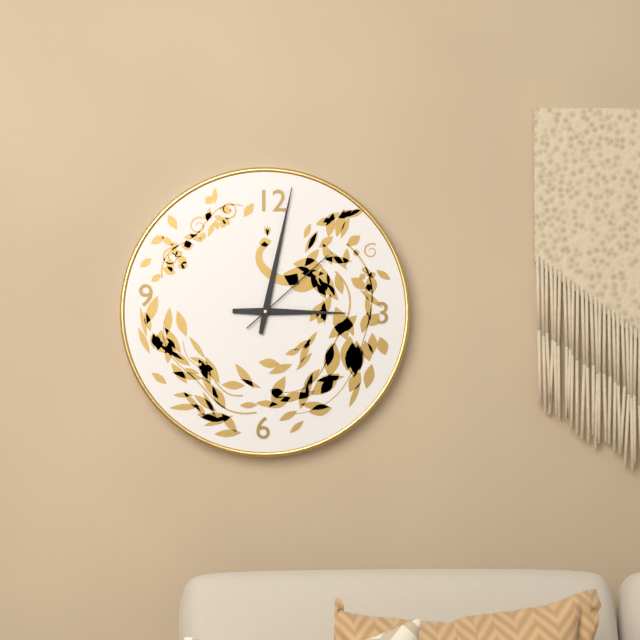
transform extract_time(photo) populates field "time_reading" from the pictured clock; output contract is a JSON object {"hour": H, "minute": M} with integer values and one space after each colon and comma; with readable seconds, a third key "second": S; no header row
{"hour": 3, "minute": 2, "second": 8}
